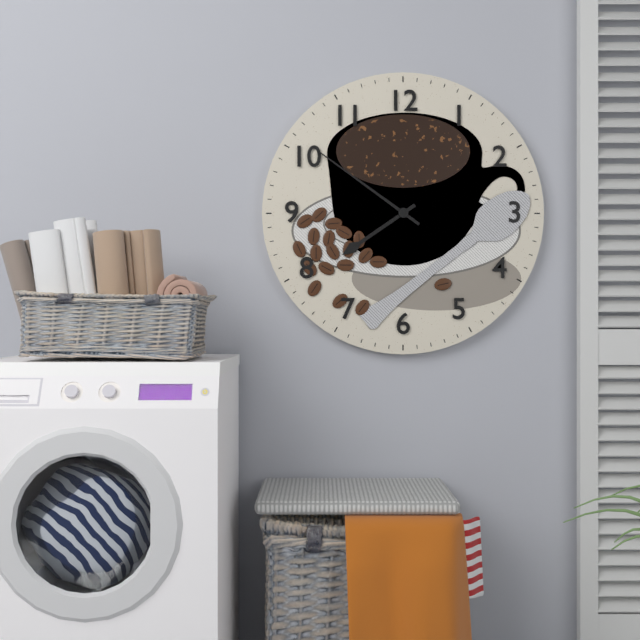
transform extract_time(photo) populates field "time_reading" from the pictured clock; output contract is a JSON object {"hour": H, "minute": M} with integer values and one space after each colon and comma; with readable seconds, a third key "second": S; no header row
{"hour": 7, "minute": 51}
